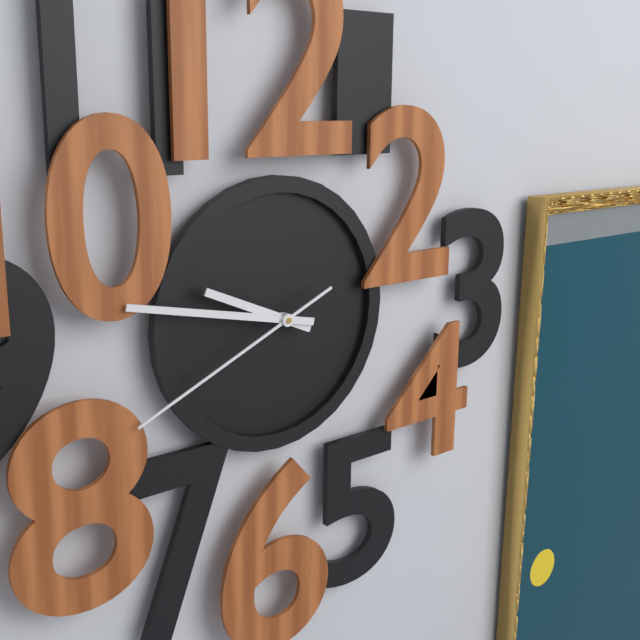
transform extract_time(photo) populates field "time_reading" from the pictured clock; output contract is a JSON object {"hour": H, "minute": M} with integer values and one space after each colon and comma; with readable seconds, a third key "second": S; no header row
{"hour": 9, "minute": 47, "second": 41}
